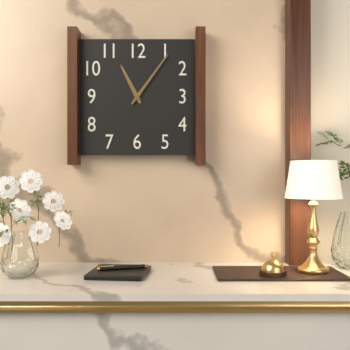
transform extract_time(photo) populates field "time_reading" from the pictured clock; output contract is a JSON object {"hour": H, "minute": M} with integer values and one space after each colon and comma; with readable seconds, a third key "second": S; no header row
{"hour": 11, "minute": 6}
